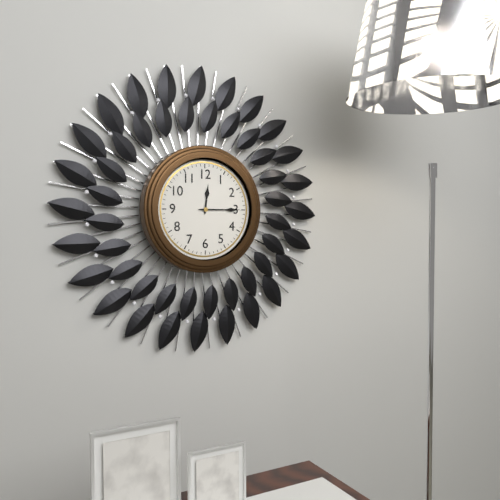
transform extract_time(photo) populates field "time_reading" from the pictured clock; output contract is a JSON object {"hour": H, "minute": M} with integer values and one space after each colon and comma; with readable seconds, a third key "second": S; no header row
{"hour": 12, "minute": 15}
